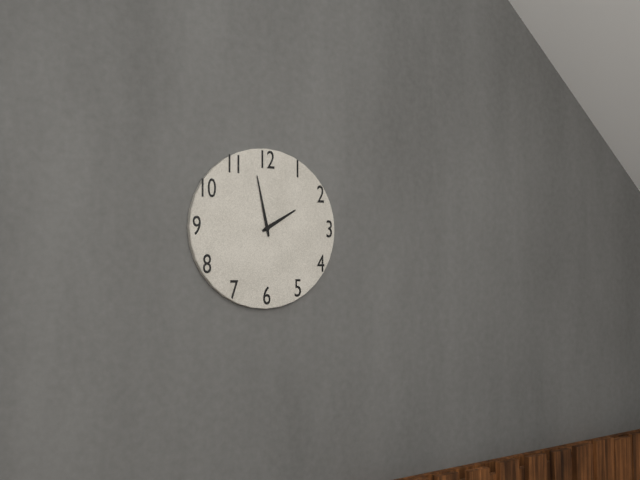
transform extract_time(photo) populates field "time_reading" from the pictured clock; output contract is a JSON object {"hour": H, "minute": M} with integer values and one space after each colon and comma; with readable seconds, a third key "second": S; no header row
{"hour": 1, "minute": 58}
